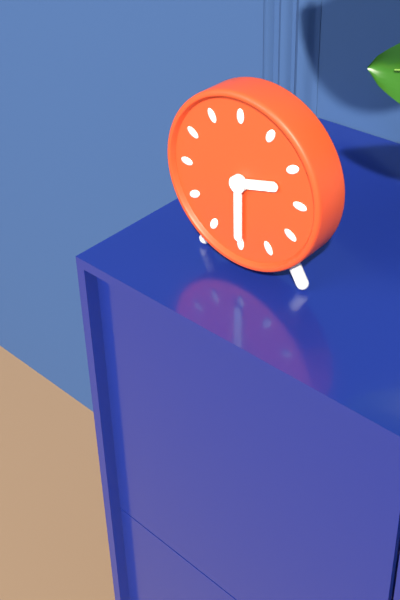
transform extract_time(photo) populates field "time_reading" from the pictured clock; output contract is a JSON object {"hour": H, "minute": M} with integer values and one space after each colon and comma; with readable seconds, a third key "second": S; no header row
{"hour": 2, "minute": 30}
